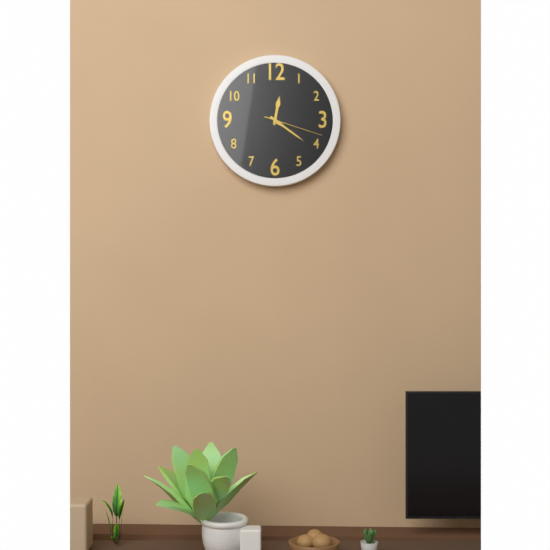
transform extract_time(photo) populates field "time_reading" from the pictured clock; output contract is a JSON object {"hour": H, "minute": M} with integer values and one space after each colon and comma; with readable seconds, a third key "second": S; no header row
{"hour": 12, "minute": 21, "second": 18}
